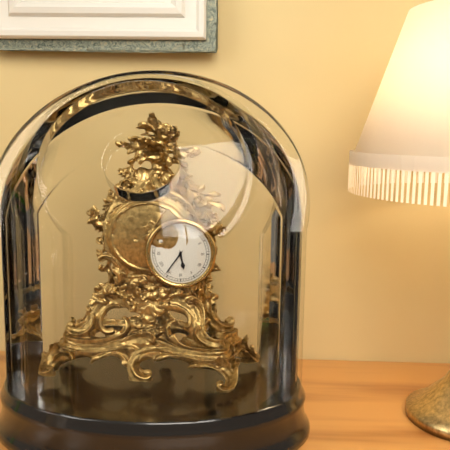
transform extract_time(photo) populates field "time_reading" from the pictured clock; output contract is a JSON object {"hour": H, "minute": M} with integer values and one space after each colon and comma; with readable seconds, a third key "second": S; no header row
{"hour": 5, "minute": 36}
